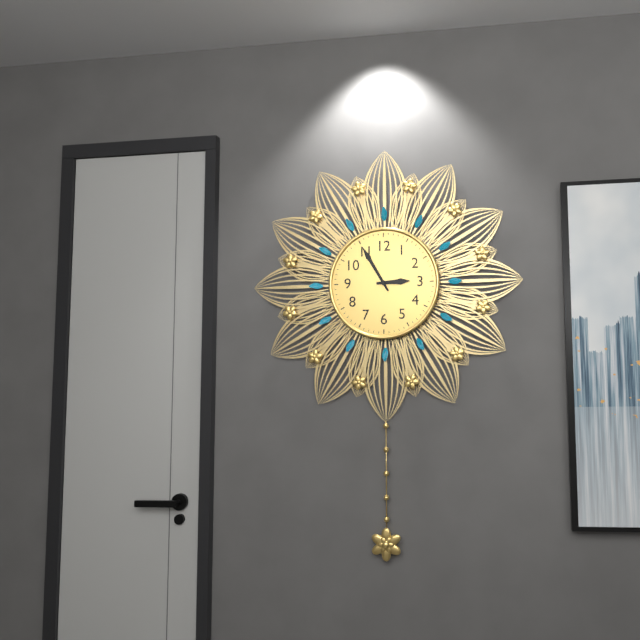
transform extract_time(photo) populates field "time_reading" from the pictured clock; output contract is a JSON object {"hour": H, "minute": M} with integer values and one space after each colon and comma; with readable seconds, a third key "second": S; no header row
{"hour": 2, "minute": 55}
